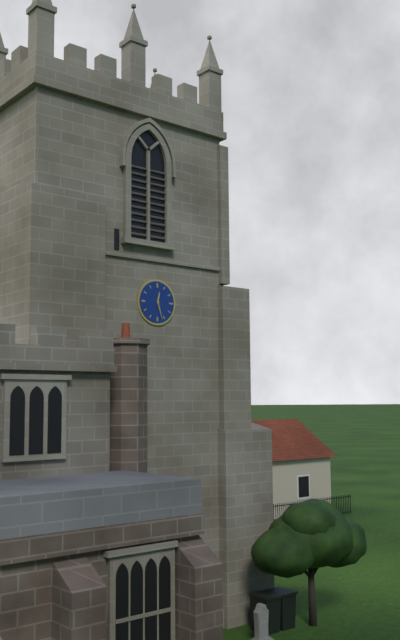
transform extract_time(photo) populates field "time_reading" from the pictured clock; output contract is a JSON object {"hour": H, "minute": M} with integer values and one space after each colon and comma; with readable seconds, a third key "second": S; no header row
{"hour": 12, "minute": 27}
